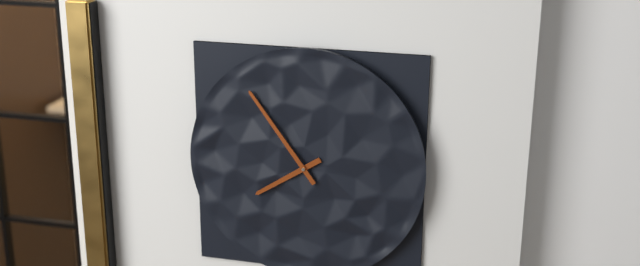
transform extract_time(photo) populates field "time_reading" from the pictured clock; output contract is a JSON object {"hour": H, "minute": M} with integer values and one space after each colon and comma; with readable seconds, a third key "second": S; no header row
{"hour": 7, "minute": 54}
